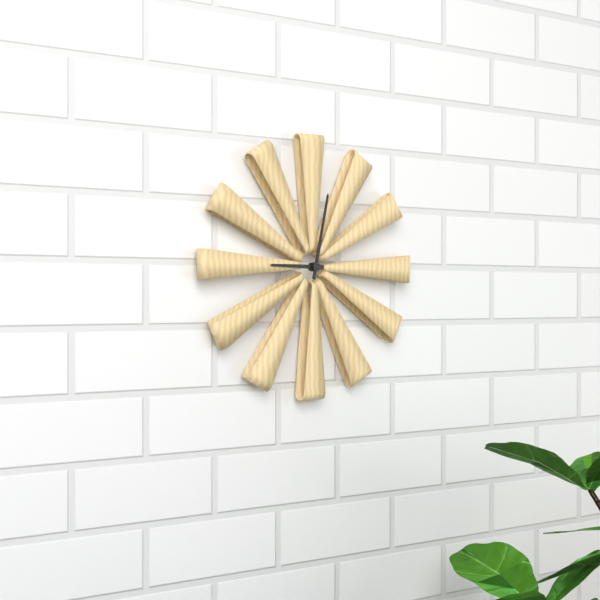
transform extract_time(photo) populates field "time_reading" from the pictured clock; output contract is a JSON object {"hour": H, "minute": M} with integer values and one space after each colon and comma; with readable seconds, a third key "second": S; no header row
{"hour": 9, "minute": 2}
